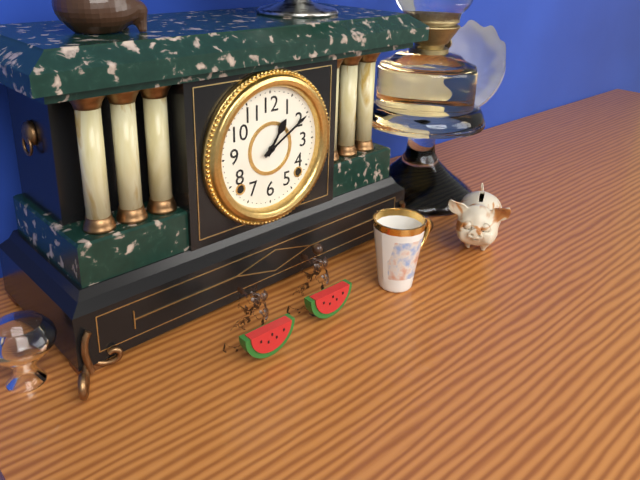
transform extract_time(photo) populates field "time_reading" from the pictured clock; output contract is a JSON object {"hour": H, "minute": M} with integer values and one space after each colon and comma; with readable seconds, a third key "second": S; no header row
{"hour": 1, "minute": 10}
